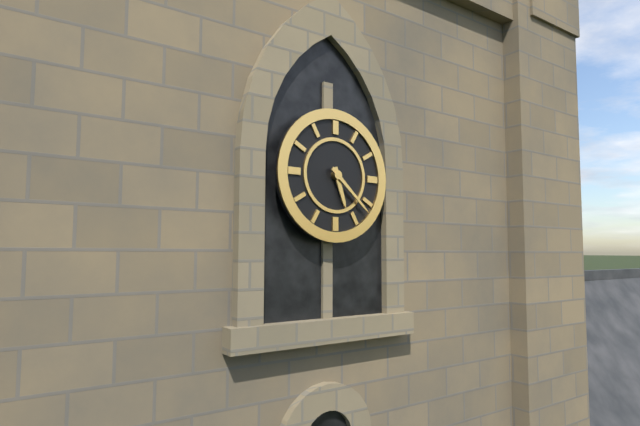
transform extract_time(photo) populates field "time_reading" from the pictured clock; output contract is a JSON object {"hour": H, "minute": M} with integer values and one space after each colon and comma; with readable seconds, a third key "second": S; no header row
{"hour": 5, "minute": 22}
